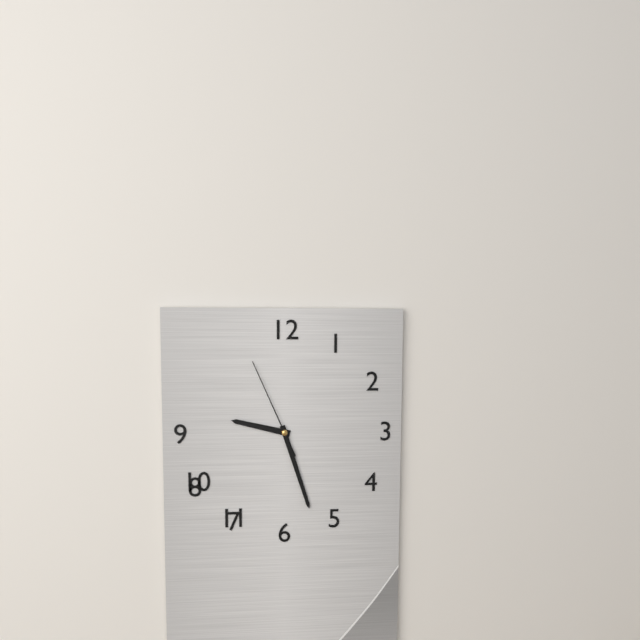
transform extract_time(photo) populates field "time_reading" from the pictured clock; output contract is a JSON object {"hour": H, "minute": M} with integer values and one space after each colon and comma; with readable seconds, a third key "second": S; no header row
{"hour": 9, "minute": 27, "second": 56}
